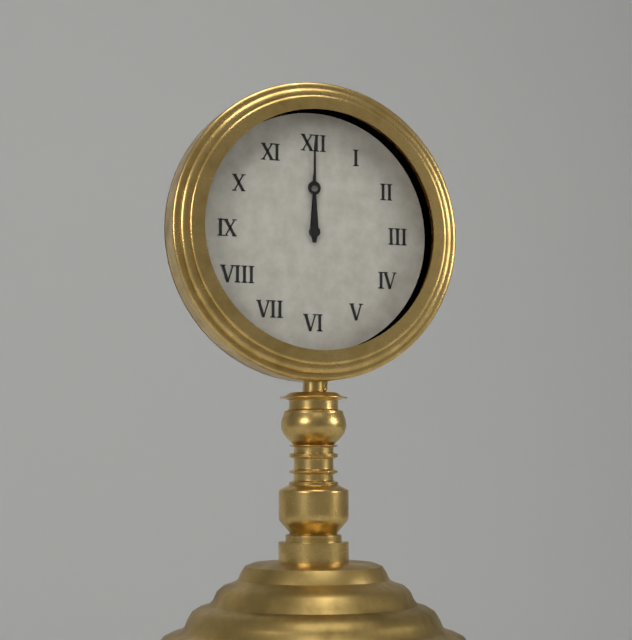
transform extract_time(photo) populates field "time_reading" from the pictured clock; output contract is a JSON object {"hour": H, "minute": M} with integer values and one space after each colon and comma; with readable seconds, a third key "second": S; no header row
{"hour": 12, "minute": 0}
